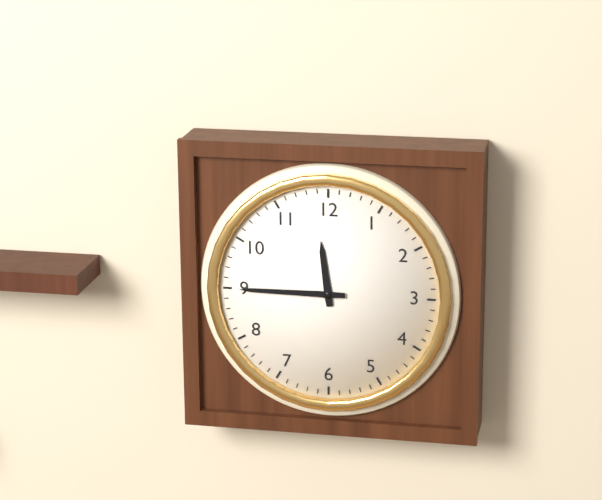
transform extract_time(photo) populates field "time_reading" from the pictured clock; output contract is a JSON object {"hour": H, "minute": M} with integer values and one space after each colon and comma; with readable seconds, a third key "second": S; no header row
{"hour": 11, "minute": 45}
